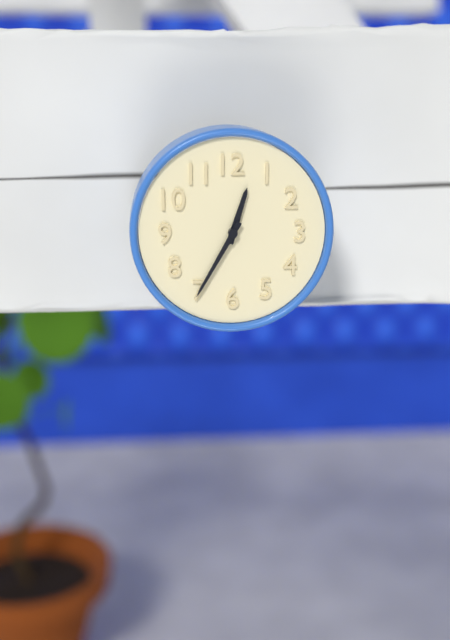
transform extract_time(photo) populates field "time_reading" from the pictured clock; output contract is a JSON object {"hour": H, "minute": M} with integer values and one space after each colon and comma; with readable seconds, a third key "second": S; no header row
{"hour": 12, "minute": 35}
